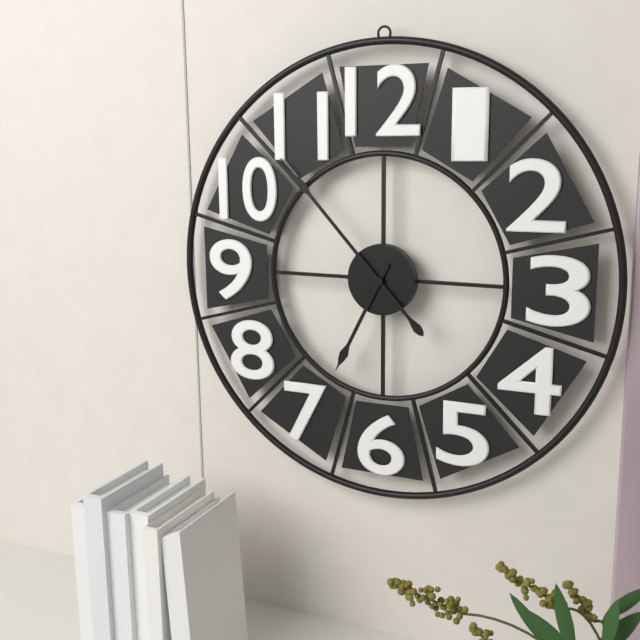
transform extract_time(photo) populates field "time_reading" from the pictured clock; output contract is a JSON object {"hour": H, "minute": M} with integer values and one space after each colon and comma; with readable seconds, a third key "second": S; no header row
{"hour": 6, "minute": 53}
